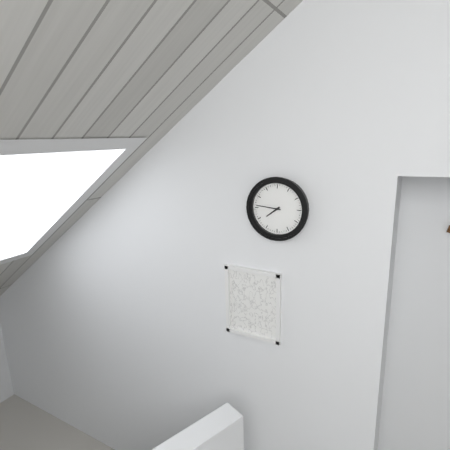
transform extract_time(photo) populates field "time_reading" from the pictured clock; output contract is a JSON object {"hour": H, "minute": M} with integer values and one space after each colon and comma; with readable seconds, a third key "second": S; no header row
{"hour": 7, "minute": 46}
